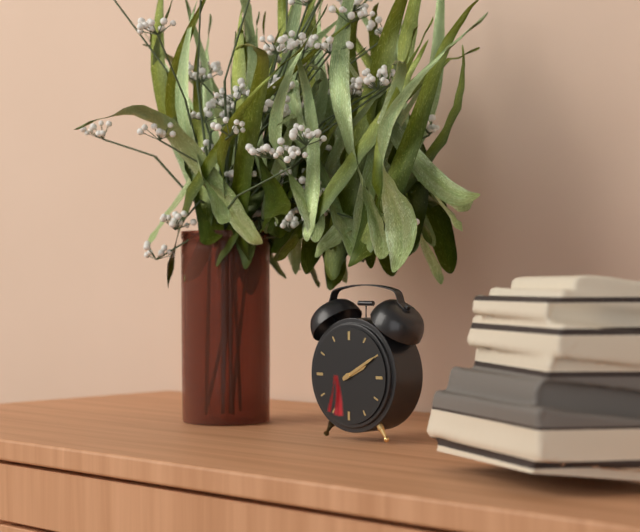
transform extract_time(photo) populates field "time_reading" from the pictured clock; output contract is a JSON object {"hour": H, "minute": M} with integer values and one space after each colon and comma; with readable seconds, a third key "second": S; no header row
{"hour": 2, "minute": 10}
